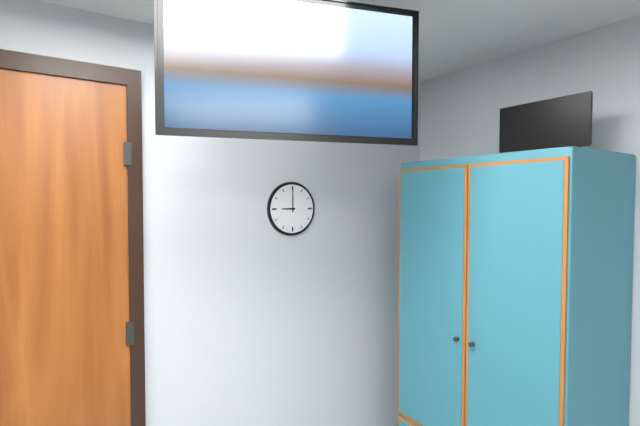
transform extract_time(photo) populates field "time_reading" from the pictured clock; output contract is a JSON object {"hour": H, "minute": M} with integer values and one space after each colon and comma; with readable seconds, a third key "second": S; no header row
{"hour": 9, "minute": 0}
